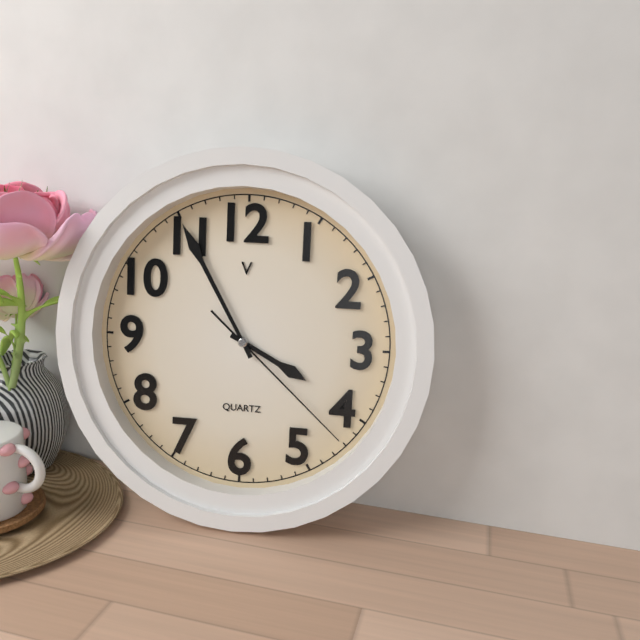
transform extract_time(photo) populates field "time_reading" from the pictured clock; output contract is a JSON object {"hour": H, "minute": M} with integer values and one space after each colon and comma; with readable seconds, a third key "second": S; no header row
{"hour": 3, "minute": 55, "second": 22}
